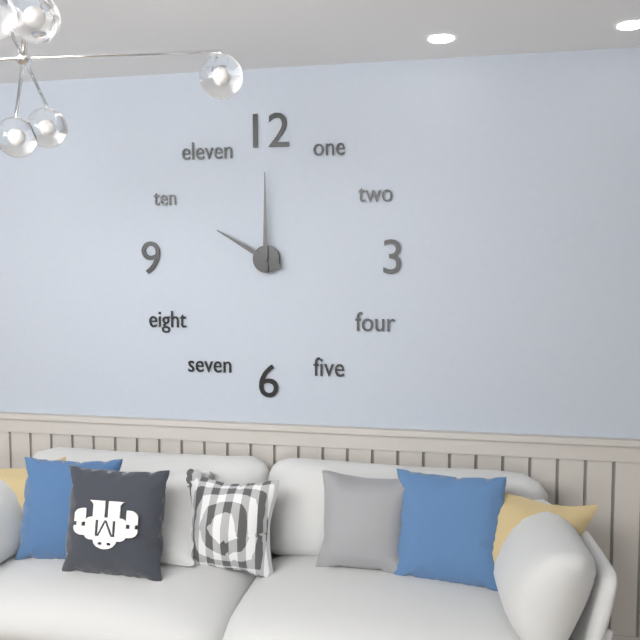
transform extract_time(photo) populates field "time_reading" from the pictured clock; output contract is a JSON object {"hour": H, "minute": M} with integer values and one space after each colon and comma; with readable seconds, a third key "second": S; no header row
{"hour": 10, "minute": 0}
